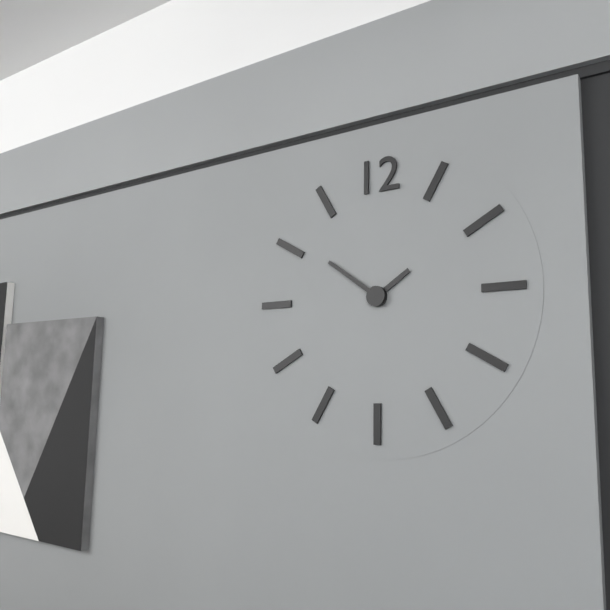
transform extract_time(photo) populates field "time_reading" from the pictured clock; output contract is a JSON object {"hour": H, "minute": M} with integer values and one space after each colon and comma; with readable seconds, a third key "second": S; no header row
{"hour": 1, "minute": 51}
